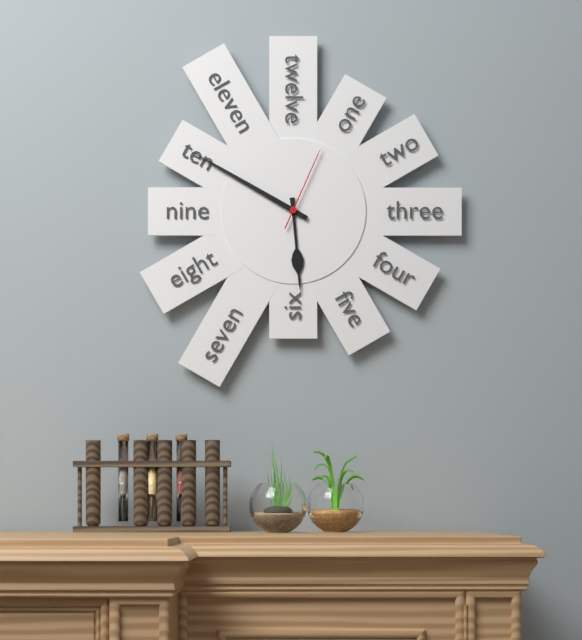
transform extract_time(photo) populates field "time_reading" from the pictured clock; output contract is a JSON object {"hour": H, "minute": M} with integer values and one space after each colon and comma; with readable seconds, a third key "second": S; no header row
{"hour": 5, "minute": 50, "second": 4}
